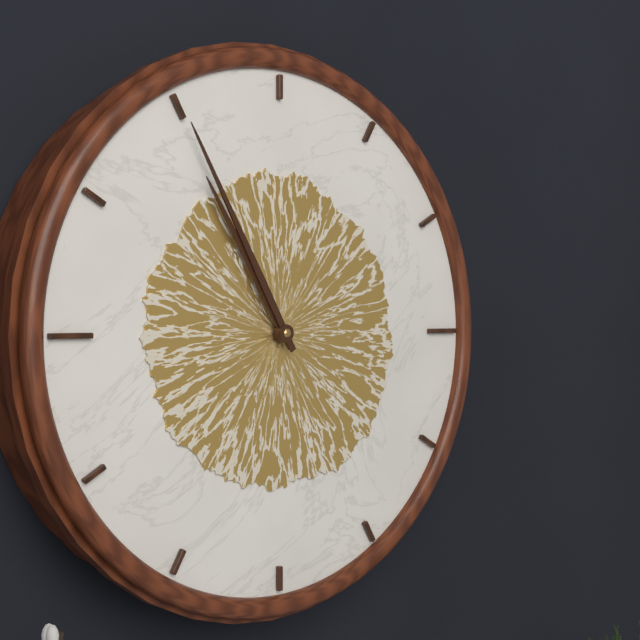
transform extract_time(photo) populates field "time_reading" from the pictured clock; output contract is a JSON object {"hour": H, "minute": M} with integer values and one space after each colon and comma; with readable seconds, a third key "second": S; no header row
{"hour": 10, "minute": 55}
